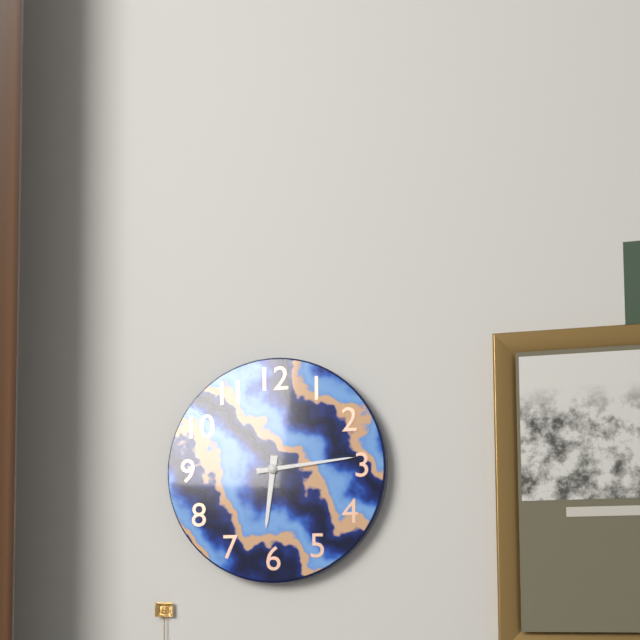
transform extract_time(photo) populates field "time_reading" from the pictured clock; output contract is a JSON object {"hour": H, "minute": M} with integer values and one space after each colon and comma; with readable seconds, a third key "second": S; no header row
{"hour": 6, "minute": 14}
